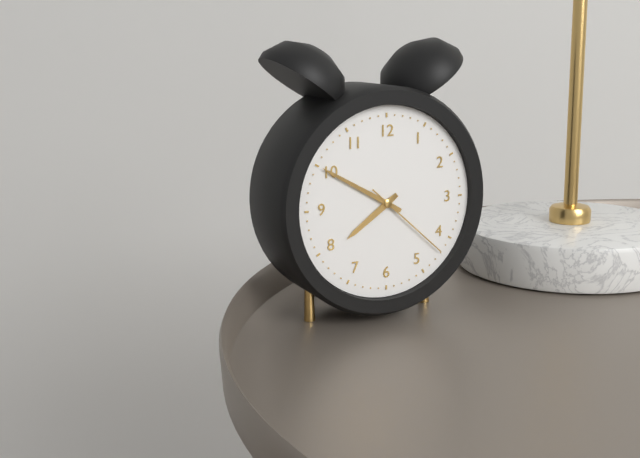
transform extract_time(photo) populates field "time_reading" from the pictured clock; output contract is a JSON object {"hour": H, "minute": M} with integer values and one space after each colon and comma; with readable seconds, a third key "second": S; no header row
{"hour": 7, "minute": 50, "second": 22}
